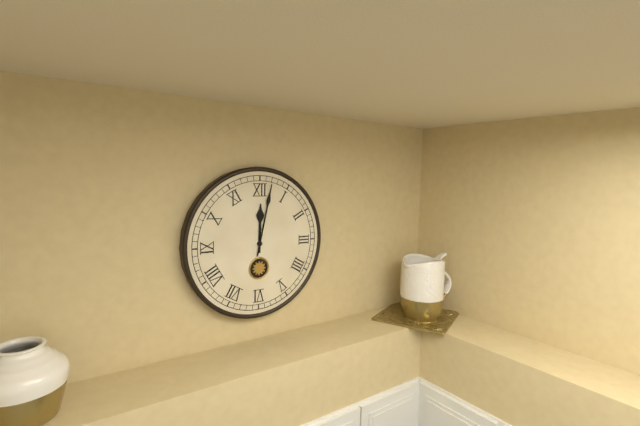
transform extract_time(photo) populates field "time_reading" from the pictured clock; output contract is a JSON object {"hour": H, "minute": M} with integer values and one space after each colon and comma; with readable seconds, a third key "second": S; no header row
{"hour": 12, "minute": 2}
